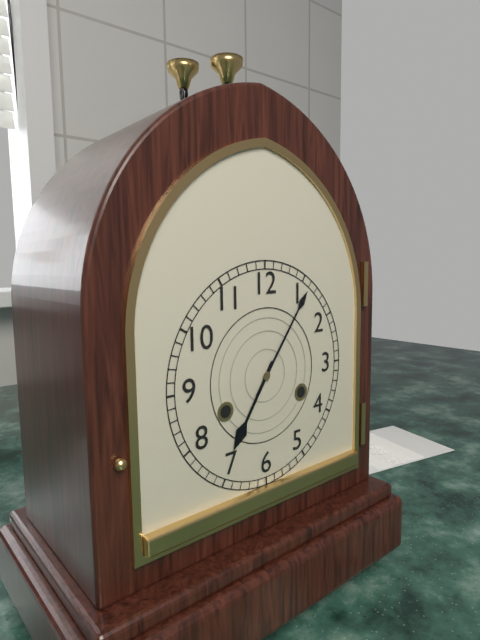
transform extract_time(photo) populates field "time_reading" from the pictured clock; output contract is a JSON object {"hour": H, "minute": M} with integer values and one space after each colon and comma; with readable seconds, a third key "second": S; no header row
{"hour": 7, "minute": 6}
